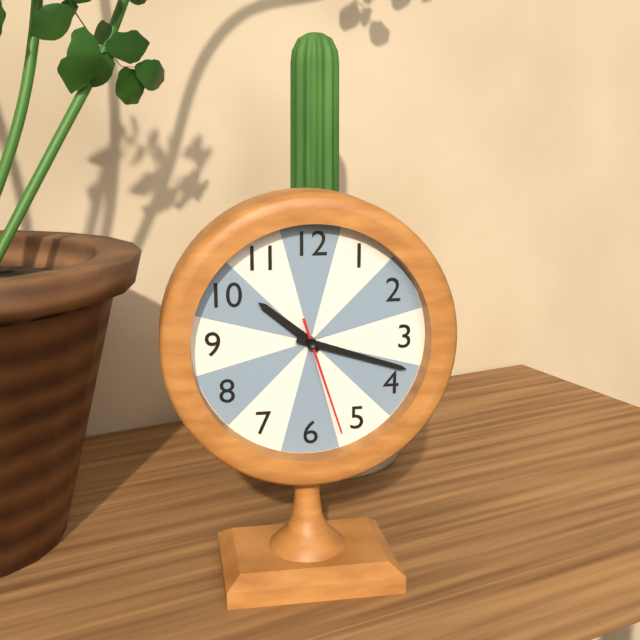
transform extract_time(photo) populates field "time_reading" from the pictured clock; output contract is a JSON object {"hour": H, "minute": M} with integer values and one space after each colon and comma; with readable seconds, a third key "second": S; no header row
{"hour": 10, "minute": 18, "second": 27}
